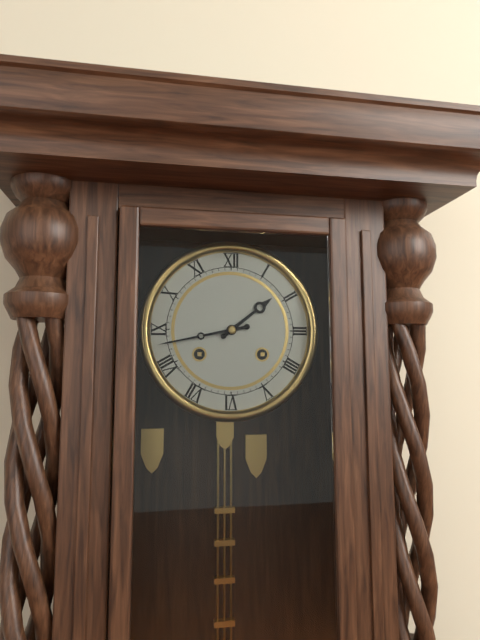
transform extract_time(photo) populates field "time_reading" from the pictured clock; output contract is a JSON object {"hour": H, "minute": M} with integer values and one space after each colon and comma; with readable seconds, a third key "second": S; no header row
{"hour": 1, "minute": 43}
